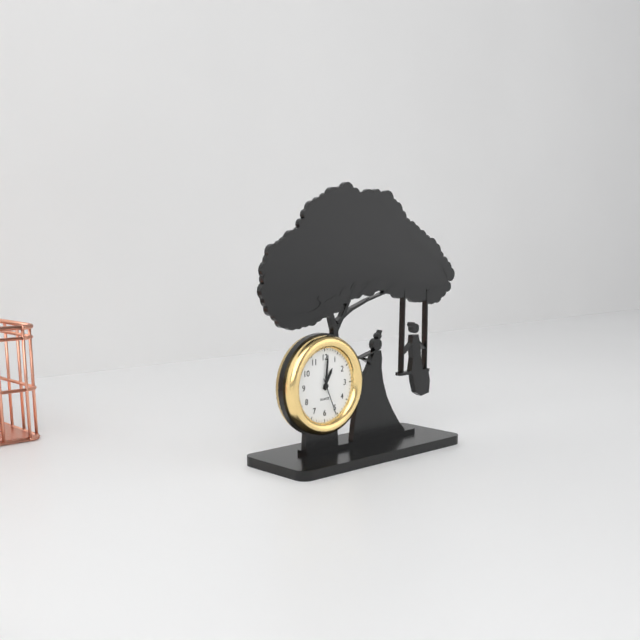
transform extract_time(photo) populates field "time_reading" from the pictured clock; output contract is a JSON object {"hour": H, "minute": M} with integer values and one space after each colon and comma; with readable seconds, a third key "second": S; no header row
{"hour": 1, "minute": 1}
